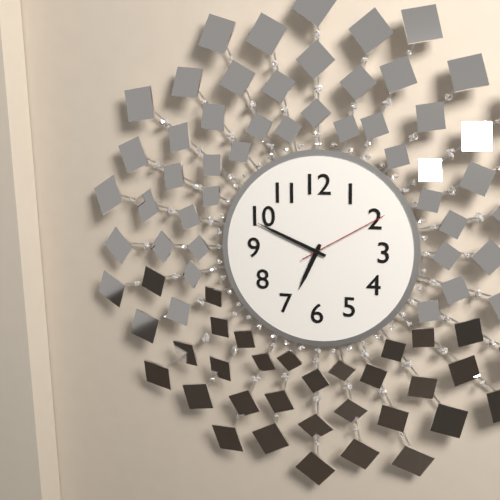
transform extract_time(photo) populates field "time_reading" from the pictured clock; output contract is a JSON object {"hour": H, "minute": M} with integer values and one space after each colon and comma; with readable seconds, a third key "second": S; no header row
{"hour": 6, "minute": 49, "second": 10}
